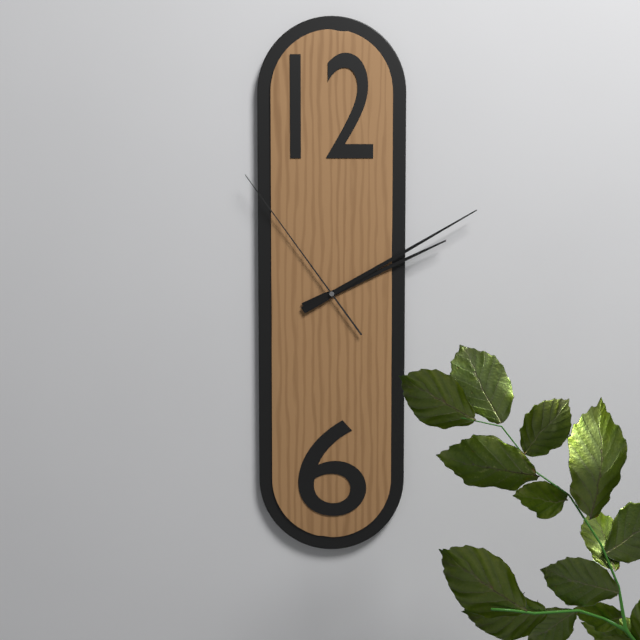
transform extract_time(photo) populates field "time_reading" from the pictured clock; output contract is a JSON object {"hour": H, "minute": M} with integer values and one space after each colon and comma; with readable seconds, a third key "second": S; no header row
{"hour": 2, "minute": 10, "second": 54}
